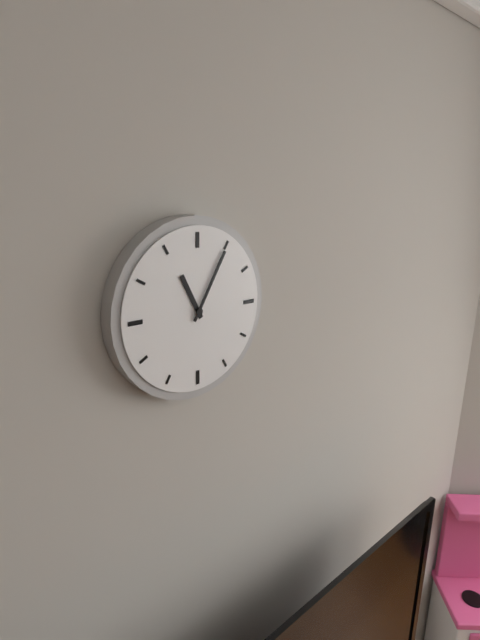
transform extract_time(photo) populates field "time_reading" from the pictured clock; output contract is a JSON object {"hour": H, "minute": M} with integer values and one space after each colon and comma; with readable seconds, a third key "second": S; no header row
{"hour": 11, "minute": 5}
